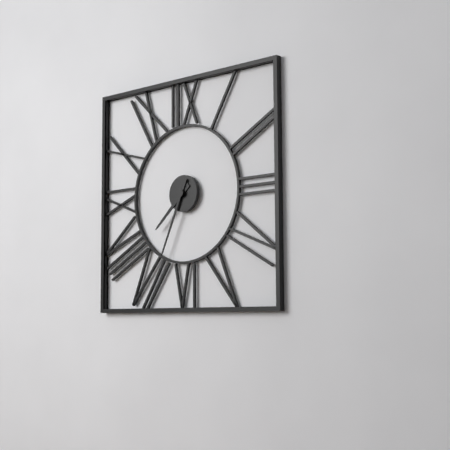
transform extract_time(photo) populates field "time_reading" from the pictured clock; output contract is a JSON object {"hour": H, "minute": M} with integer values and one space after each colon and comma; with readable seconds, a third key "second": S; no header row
{"hour": 7, "minute": 34}
